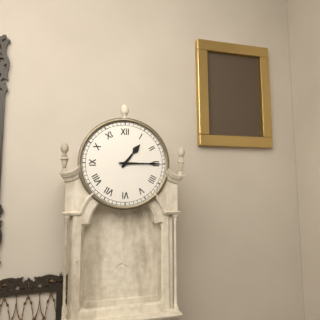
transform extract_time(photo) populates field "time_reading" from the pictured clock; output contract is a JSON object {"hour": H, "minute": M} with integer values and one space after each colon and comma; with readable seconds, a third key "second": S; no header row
{"hour": 1, "minute": 15}
